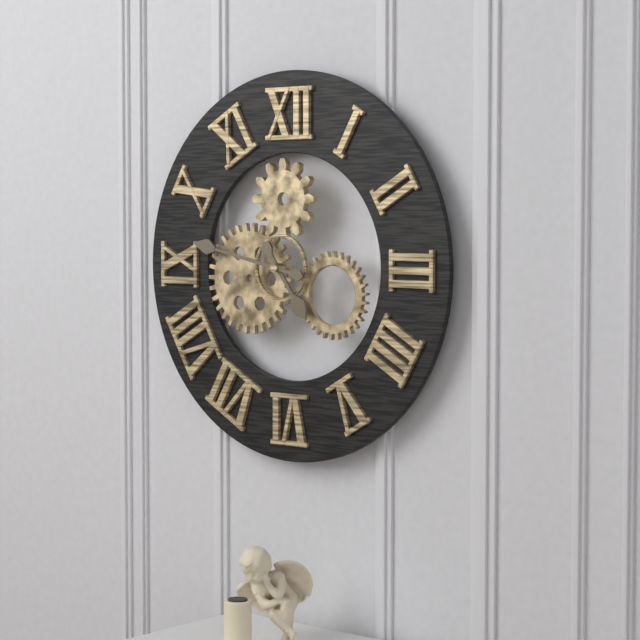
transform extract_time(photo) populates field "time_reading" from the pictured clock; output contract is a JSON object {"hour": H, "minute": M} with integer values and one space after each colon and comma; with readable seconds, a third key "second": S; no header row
{"hour": 4, "minute": 47}
